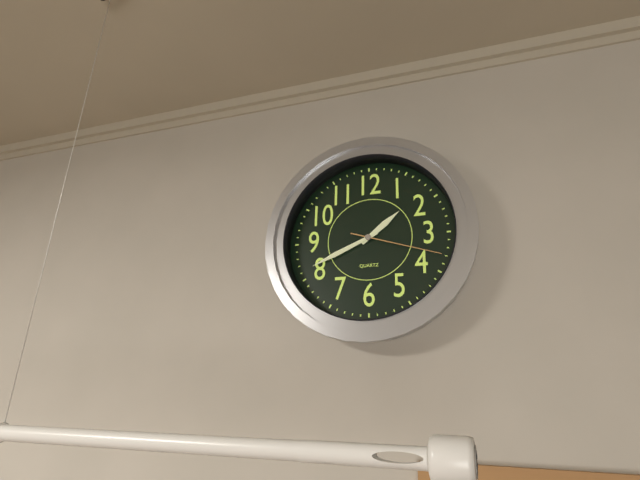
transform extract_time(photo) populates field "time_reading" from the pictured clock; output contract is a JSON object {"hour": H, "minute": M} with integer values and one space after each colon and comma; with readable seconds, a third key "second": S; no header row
{"hour": 1, "minute": 41, "second": 18}
